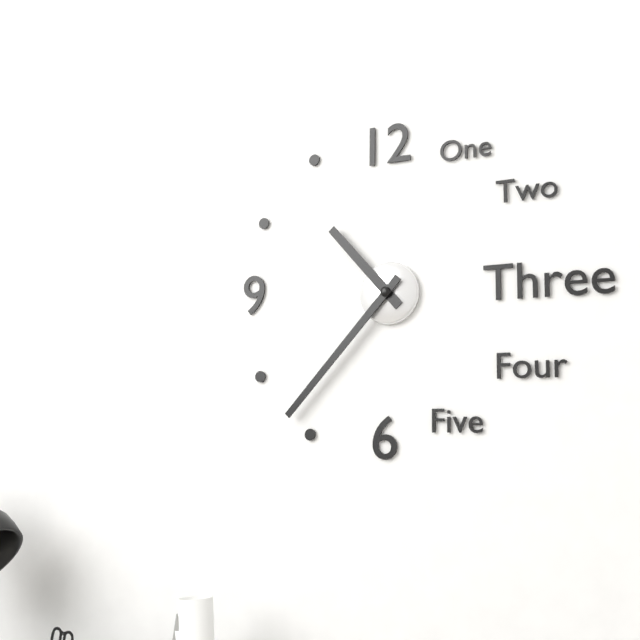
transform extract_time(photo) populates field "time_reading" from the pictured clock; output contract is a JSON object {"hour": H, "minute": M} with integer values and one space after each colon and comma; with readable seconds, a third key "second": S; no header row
{"hour": 10, "minute": 37}
